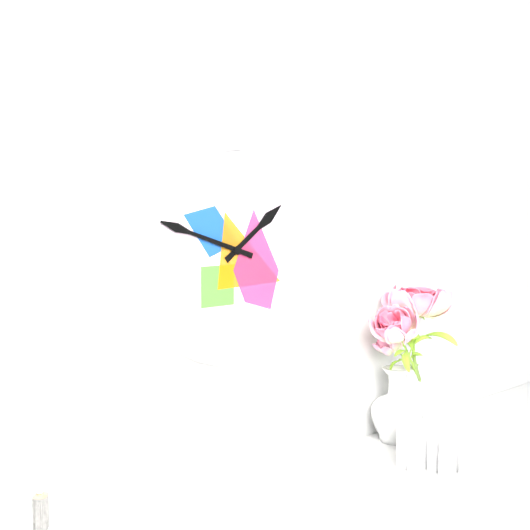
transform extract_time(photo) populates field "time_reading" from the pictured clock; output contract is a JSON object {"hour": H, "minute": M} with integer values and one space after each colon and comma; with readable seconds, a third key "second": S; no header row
{"hour": 1, "minute": 48}
